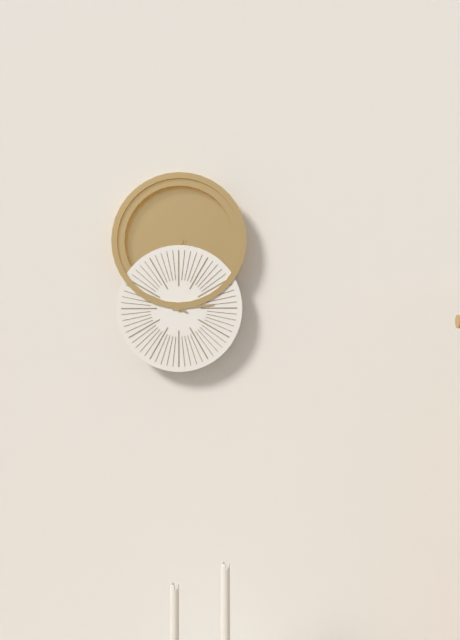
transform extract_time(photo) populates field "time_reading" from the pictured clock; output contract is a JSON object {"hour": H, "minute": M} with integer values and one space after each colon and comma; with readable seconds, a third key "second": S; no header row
{"hour": 2, "minute": 49}
